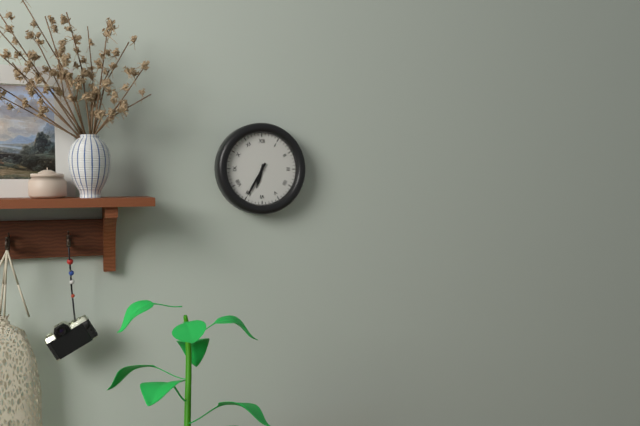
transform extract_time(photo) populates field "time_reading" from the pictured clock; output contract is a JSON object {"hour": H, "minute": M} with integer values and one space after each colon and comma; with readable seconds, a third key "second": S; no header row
{"hour": 6, "minute": 35}
